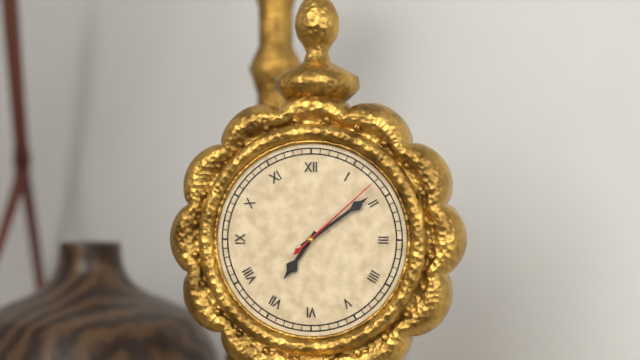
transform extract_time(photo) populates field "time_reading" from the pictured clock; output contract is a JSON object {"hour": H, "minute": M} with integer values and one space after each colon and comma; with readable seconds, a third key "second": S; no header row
{"hour": 7, "minute": 9, "second": 8}
